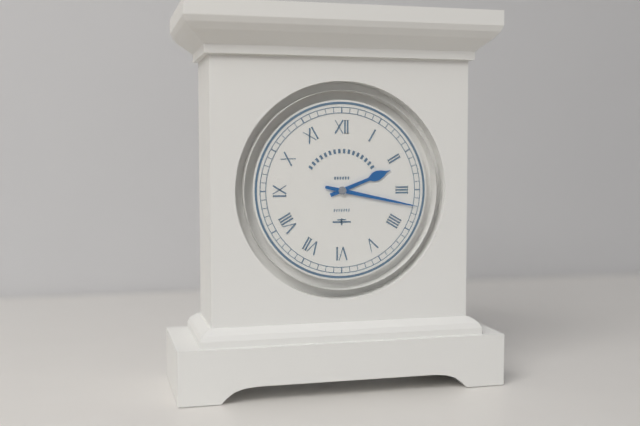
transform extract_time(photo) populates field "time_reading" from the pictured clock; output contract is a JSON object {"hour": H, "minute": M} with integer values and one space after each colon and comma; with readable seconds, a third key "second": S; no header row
{"hour": 2, "minute": 17}
